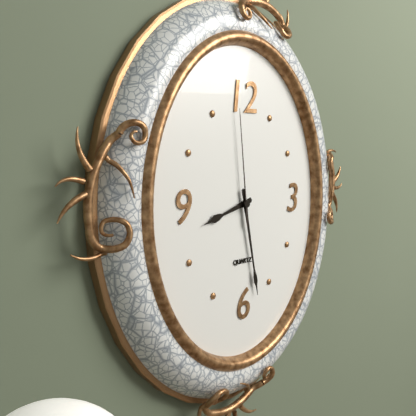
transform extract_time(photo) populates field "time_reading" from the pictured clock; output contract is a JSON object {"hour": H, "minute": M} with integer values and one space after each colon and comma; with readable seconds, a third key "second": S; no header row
{"hour": 8, "minute": 28, "second": 59}
